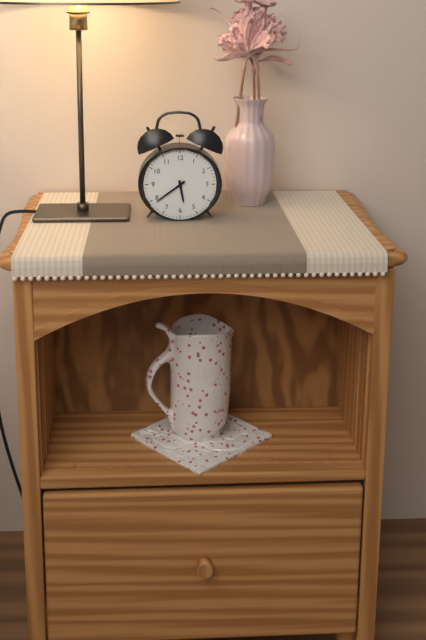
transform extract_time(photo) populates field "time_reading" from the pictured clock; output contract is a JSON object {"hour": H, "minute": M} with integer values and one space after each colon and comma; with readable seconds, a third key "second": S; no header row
{"hour": 5, "minute": 39}
